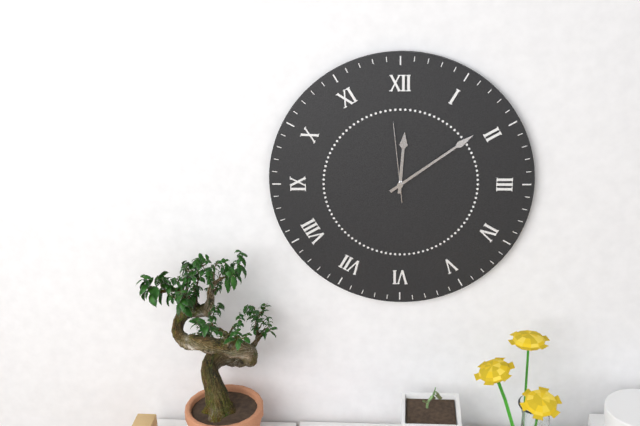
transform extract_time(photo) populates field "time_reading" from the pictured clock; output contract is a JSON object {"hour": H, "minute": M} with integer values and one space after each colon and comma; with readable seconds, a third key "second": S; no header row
{"hour": 12, "minute": 9, "second": 59}
